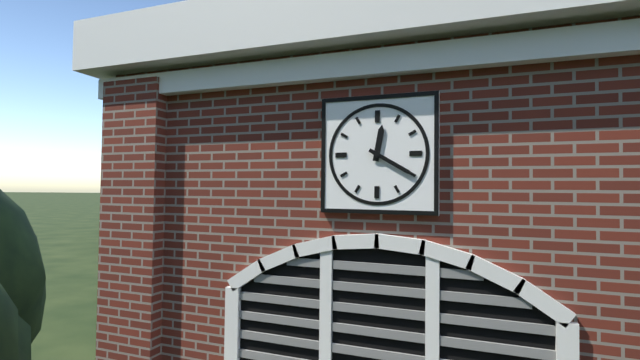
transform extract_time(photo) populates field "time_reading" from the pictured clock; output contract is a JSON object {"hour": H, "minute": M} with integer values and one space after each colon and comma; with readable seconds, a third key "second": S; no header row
{"hour": 12, "minute": 20}
